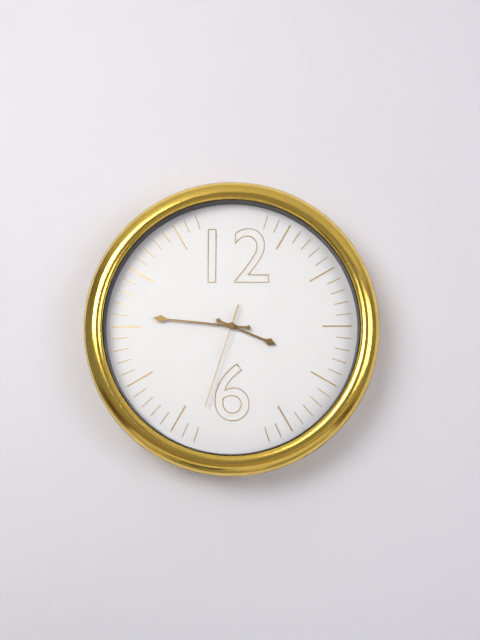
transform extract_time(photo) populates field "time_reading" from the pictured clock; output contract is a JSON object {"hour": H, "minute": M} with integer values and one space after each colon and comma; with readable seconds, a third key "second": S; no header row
{"hour": 3, "minute": 46, "second": 33}
